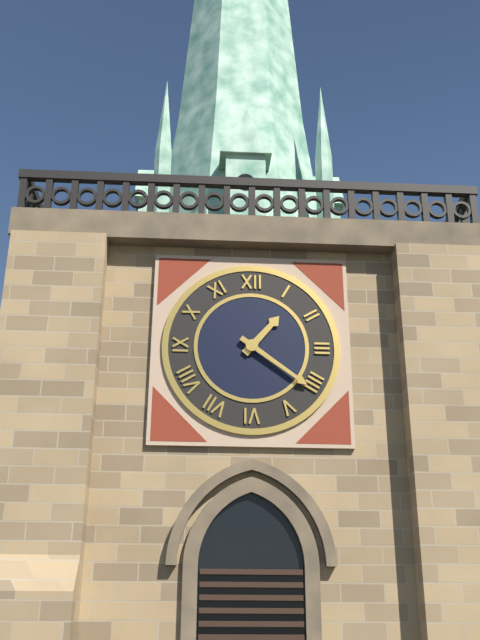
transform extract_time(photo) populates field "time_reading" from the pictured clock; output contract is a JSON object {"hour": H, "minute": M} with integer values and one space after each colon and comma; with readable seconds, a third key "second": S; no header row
{"hour": 1, "minute": 21}
